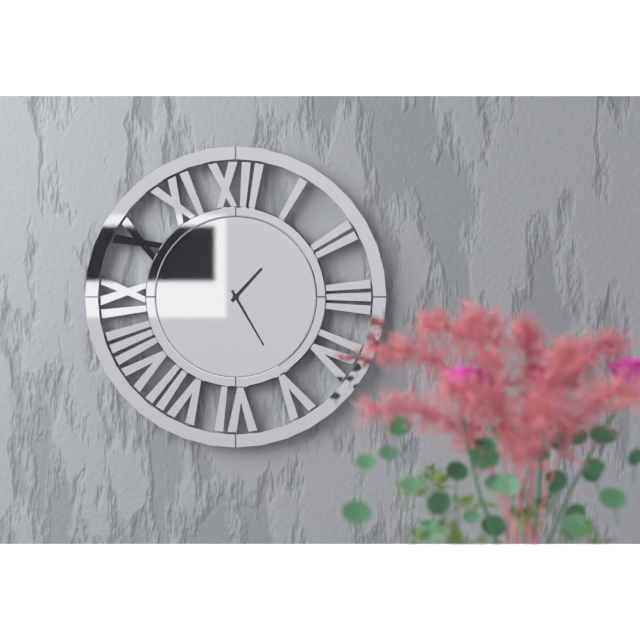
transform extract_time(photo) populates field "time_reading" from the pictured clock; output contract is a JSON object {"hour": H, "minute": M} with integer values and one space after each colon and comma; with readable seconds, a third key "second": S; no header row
{"hour": 1, "minute": 25}
